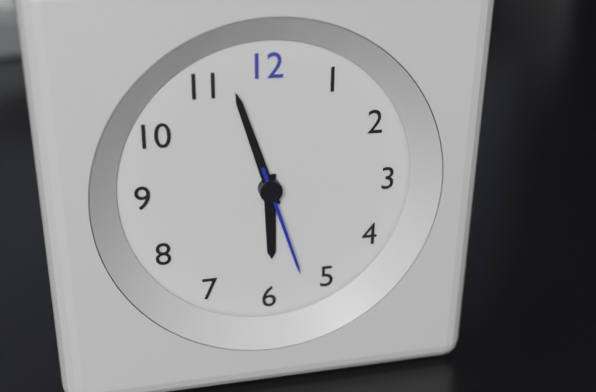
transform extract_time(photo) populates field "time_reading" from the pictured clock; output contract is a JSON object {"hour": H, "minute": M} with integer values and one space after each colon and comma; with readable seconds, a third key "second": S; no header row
{"hour": 5, "minute": 57, "second": 27}
